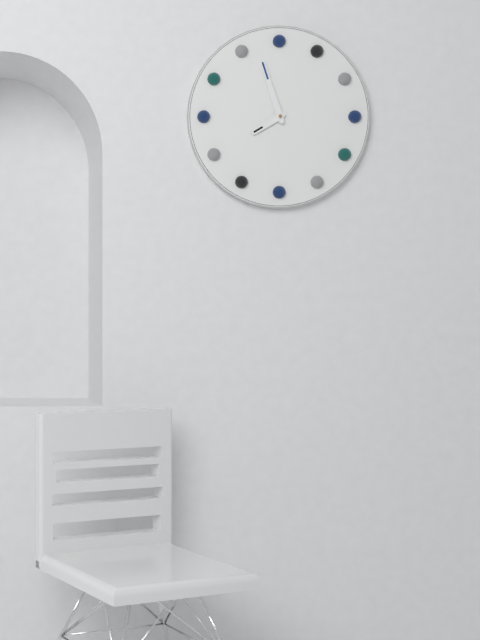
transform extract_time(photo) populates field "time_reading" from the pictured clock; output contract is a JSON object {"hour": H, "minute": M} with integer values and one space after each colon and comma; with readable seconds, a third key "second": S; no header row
{"hour": 7, "minute": 57}
